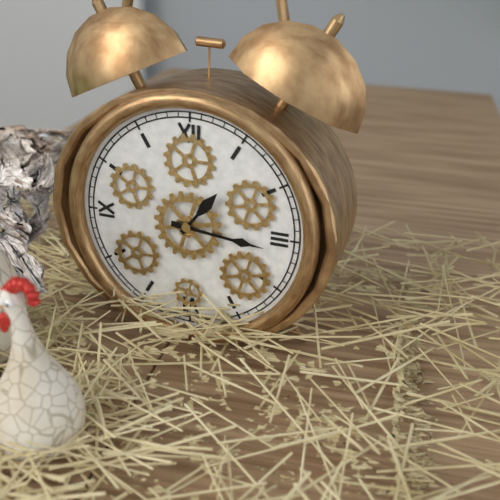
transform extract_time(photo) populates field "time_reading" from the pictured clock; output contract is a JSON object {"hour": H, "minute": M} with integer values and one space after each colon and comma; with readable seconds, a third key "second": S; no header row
{"hour": 1, "minute": 16}
